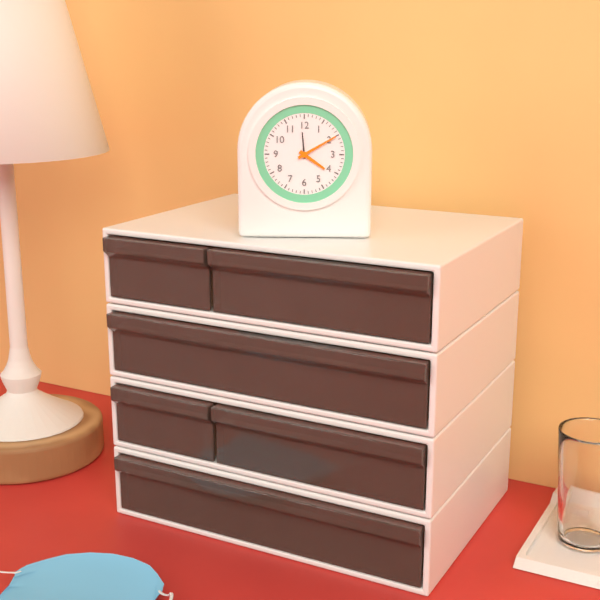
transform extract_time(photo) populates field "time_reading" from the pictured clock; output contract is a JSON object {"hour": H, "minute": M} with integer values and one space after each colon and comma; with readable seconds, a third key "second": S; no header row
{"hour": 4, "minute": 10}
